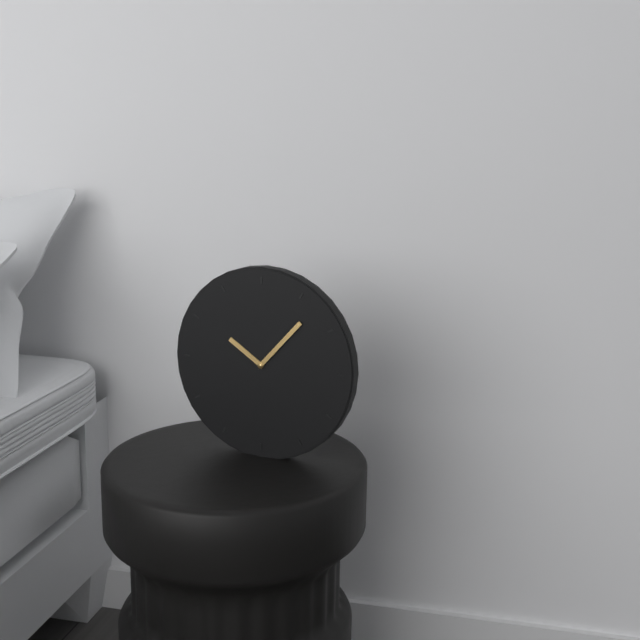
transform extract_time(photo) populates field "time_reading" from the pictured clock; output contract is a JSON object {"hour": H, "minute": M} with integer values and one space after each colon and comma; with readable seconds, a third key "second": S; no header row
{"hour": 10, "minute": 7}
